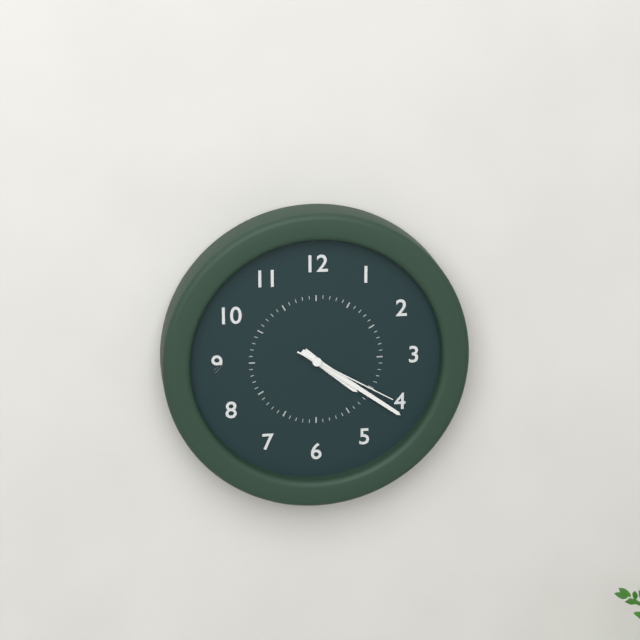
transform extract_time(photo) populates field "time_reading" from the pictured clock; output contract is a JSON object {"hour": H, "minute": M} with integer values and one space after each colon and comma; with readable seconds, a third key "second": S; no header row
{"hour": 4, "minute": 21, "second": 20}
